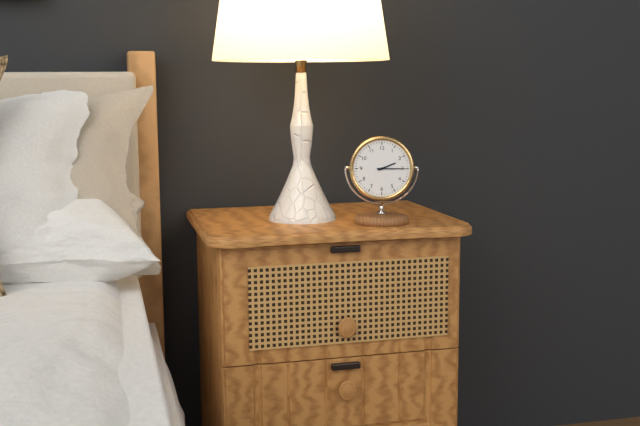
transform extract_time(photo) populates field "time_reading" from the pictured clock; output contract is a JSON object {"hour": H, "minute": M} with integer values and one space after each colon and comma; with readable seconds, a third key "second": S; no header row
{"hour": 2, "minute": 15}
